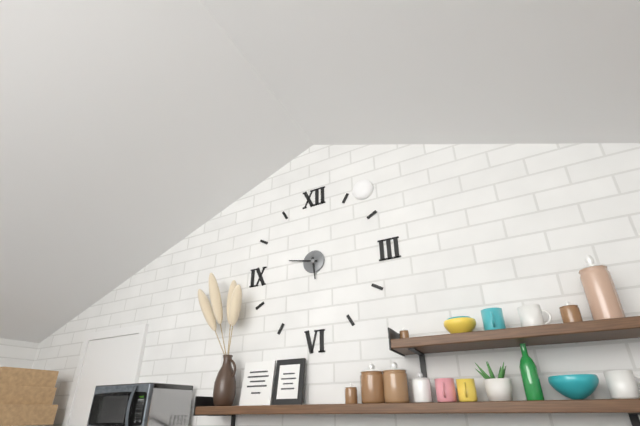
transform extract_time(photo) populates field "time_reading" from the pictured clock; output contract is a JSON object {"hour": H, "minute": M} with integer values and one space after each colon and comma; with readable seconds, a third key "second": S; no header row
{"hour": 5, "minute": 47}
